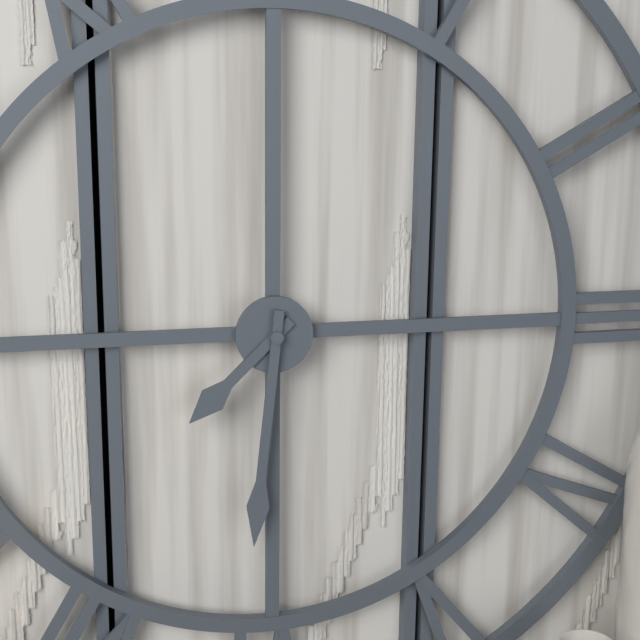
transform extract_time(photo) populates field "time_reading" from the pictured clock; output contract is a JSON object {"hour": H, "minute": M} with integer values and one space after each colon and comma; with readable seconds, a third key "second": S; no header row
{"hour": 7, "minute": 31}
